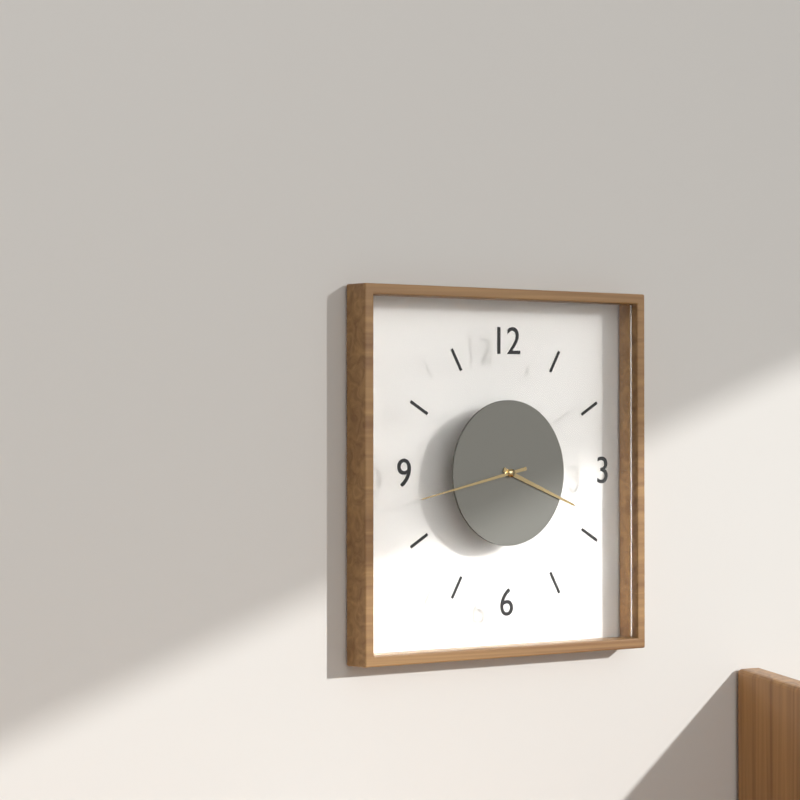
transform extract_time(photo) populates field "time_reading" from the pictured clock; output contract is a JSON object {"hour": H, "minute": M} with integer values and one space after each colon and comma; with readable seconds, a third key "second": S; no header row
{"hour": 3, "minute": 43}
